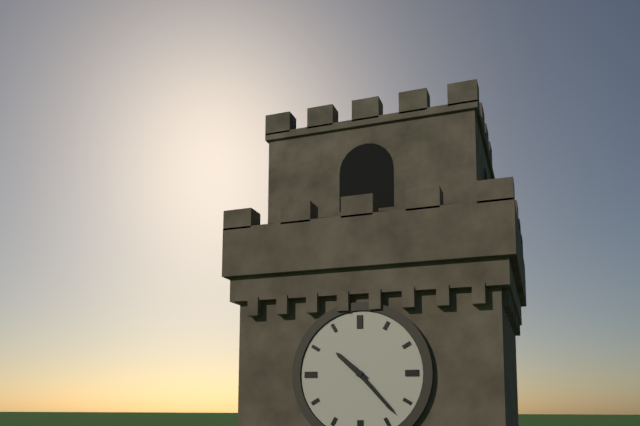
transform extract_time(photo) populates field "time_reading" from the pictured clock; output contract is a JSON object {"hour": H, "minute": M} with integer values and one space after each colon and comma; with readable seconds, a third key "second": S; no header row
{"hour": 10, "minute": 23}
